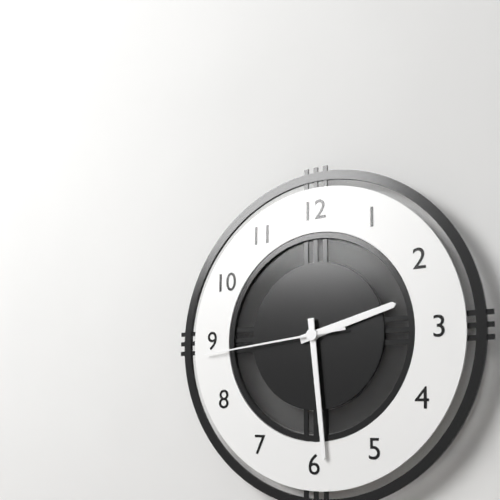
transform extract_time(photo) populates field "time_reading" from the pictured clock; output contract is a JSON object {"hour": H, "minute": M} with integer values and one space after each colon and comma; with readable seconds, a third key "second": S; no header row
{"hour": 2, "minute": 29, "second": 44}
